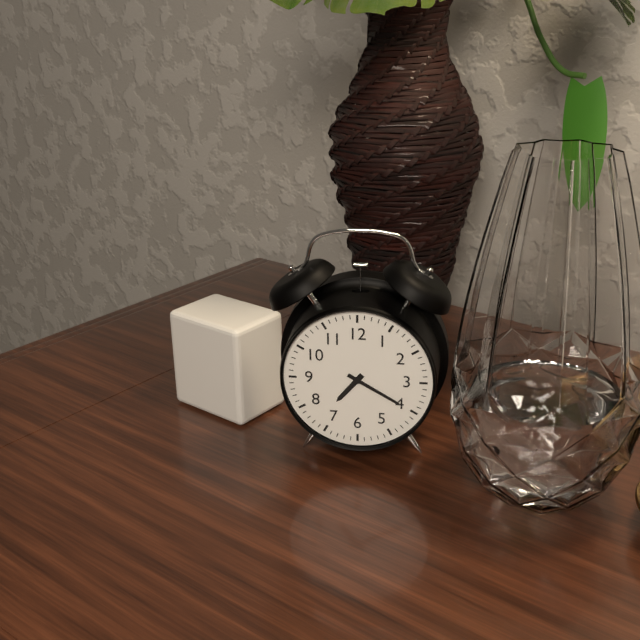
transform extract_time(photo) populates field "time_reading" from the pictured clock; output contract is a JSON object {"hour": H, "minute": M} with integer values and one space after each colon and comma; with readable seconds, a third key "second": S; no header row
{"hour": 7, "minute": 20}
